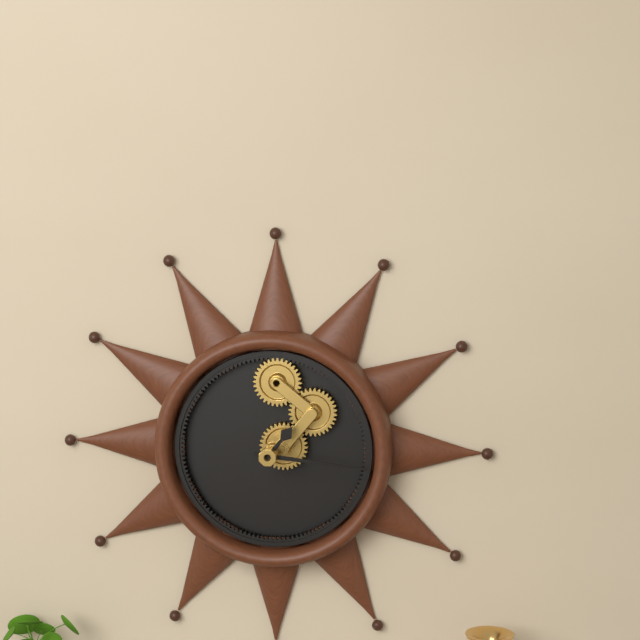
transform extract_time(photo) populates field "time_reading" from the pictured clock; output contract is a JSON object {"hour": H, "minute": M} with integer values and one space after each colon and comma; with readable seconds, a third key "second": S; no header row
{"hour": 1, "minute": 16}
